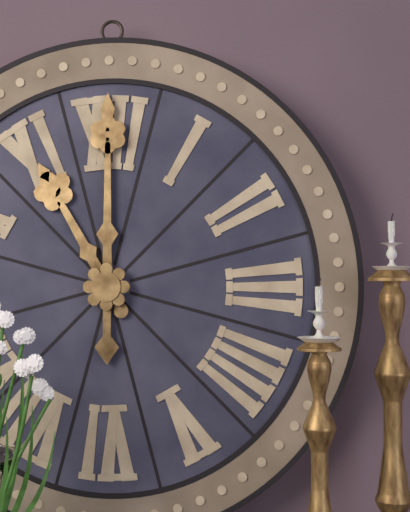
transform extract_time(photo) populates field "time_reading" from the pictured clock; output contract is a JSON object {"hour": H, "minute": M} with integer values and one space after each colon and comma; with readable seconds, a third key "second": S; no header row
{"hour": 11, "minute": 0}
